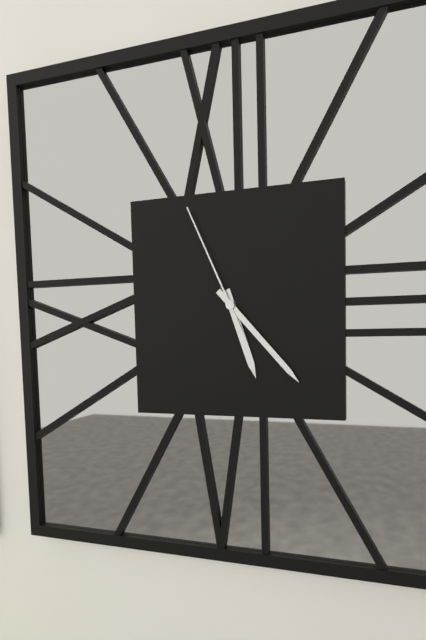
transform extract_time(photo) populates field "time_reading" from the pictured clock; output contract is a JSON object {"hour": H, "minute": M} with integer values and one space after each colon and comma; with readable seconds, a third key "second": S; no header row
{"hour": 5, "minute": 23, "second": 56}
